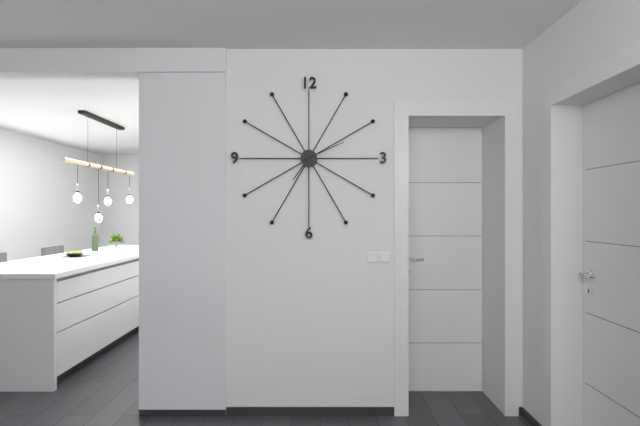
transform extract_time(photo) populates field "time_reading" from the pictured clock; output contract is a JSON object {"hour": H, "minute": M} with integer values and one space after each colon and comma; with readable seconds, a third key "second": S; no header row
{"hour": 7, "minute": 11}
